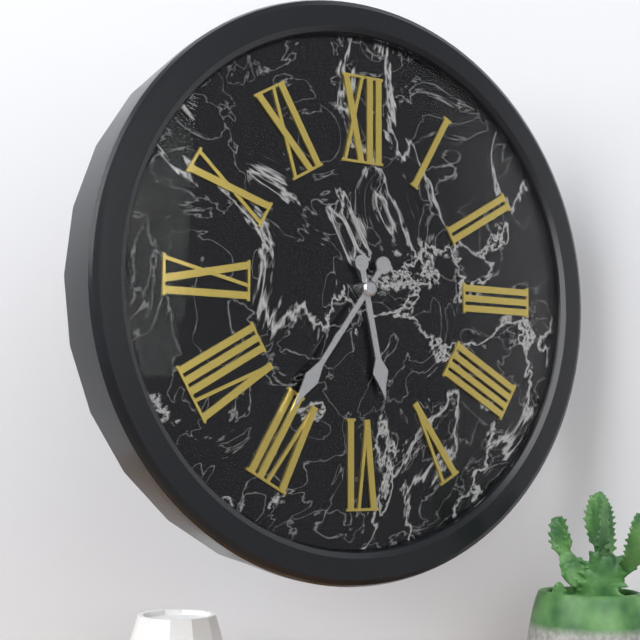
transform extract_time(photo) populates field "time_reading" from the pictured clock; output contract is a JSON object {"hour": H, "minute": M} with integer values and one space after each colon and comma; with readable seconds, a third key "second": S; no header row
{"hour": 5, "minute": 36}
